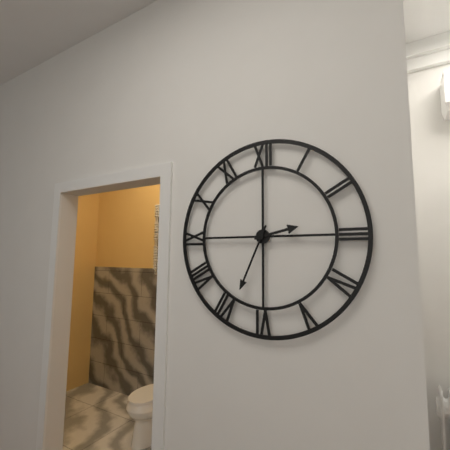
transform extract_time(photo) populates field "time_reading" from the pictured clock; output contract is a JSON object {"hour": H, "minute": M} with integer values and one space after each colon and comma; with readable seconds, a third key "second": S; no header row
{"hour": 2, "minute": 34}
